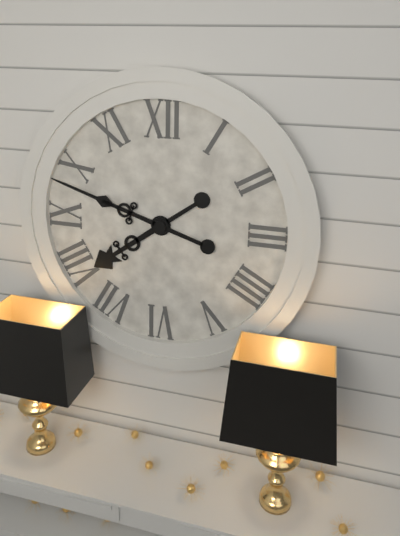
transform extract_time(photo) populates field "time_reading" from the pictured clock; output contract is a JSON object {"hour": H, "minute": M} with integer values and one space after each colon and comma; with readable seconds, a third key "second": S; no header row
{"hour": 7, "minute": 48}
